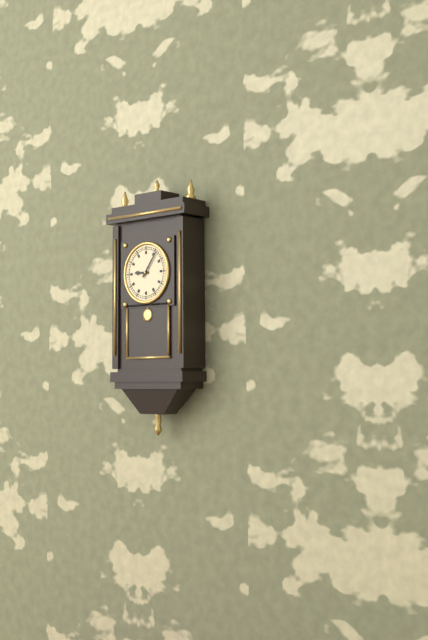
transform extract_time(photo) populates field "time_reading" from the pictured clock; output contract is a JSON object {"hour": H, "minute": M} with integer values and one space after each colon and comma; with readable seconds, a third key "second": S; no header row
{"hour": 9, "minute": 6}
